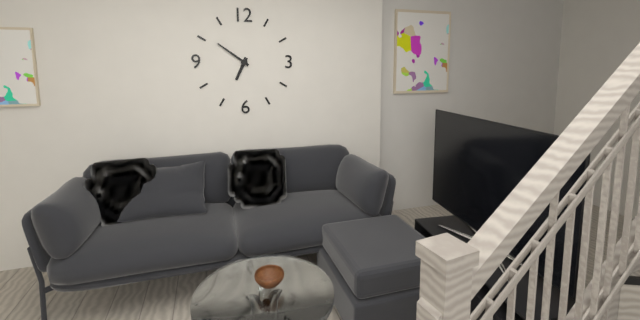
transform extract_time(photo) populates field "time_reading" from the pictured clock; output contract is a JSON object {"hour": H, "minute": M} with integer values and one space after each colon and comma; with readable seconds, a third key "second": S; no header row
{"hour": 6, "minute": 51}
